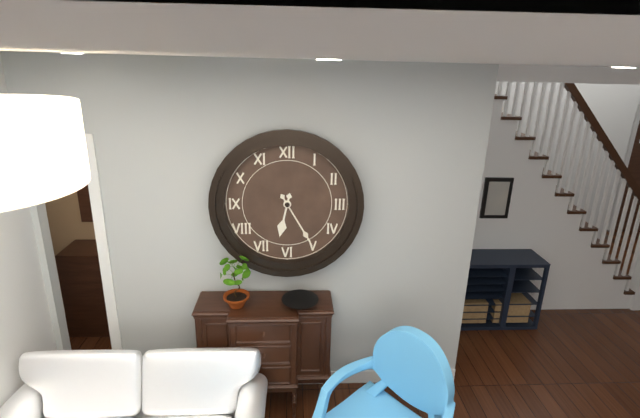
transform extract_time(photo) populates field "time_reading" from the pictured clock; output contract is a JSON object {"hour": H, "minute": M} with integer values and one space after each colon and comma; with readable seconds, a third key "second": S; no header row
{"hour": 6, "minute": 25}
